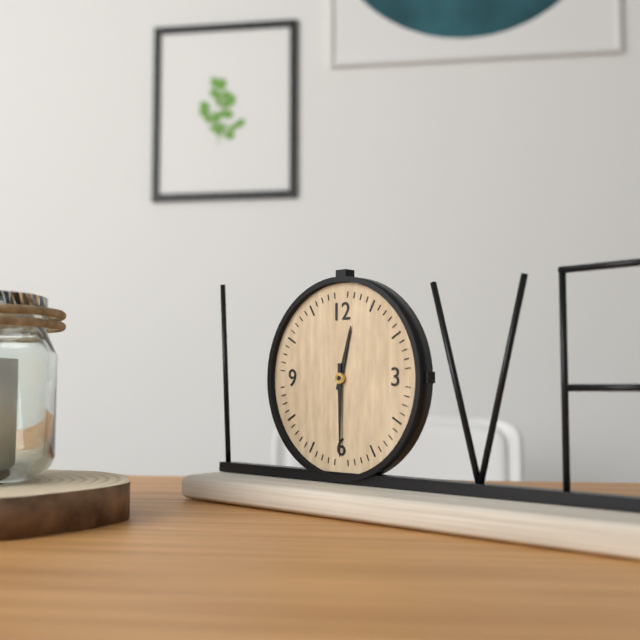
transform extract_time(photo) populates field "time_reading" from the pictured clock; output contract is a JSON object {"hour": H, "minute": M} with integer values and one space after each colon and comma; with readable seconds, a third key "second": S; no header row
{"hour": 12, "minute": 30}
